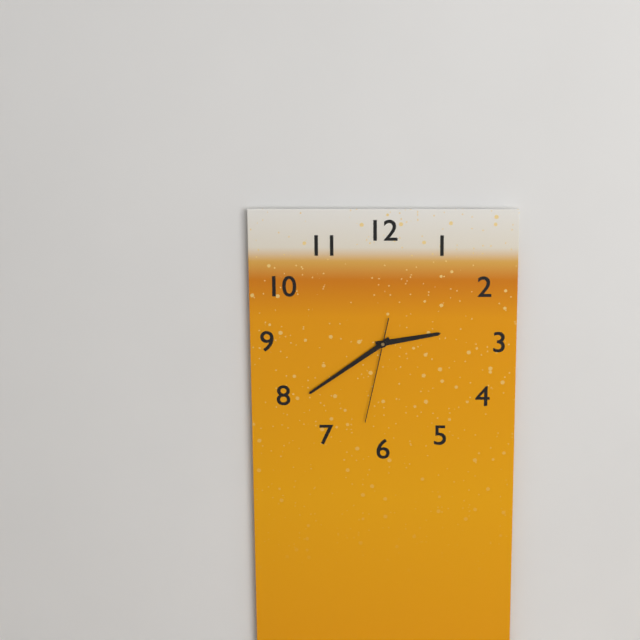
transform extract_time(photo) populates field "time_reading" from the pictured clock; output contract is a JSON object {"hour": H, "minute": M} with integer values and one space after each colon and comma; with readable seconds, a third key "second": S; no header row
{"hour": 2, "minute": 39, "second": 32}
